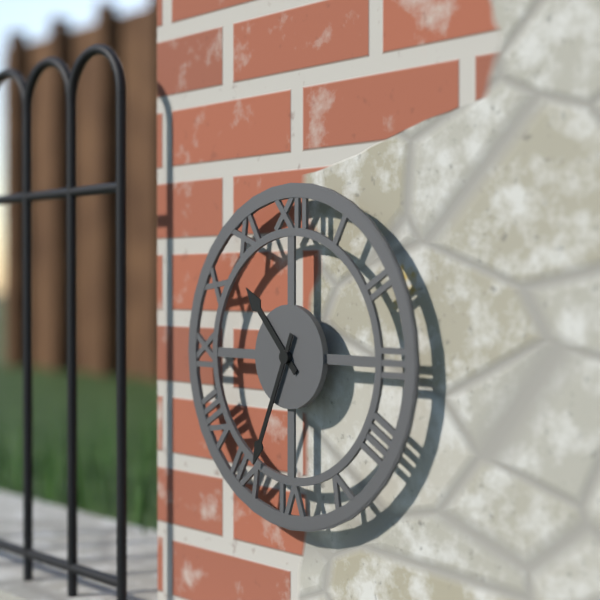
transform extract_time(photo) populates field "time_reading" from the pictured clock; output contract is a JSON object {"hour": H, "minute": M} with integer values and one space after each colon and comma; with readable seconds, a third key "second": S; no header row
{"hour": 10, "minute": 34}
